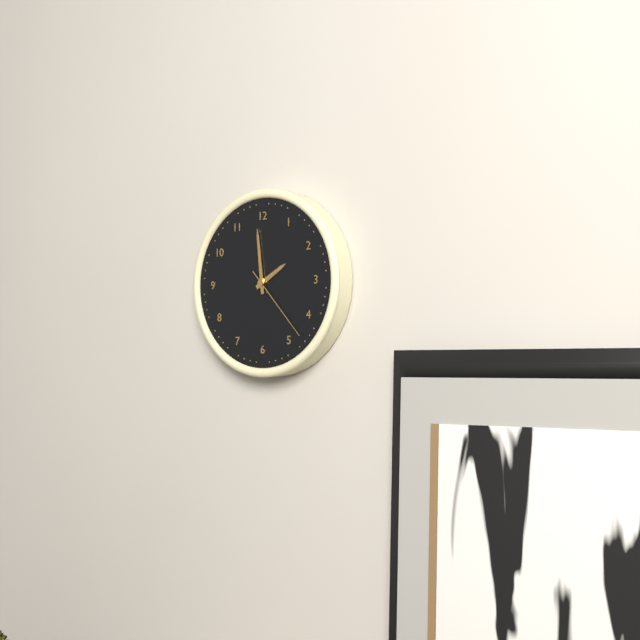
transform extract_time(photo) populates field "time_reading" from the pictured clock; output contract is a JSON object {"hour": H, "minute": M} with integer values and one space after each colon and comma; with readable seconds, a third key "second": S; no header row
{"hour": 1, "minute": 59, "second": 23}
